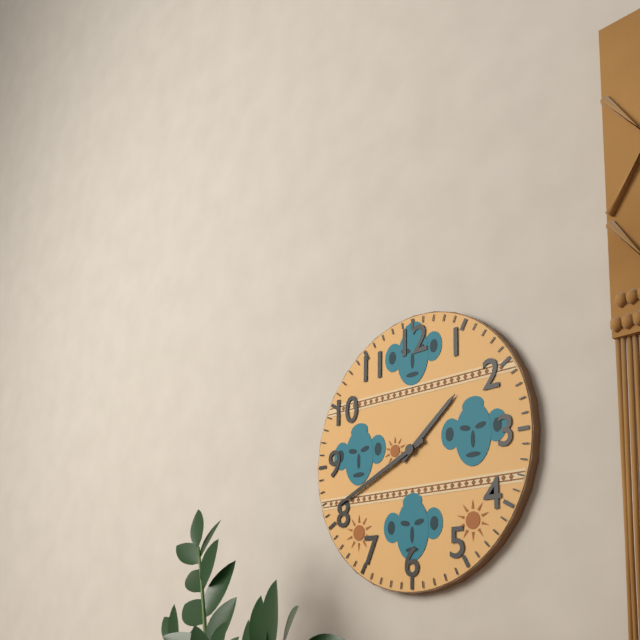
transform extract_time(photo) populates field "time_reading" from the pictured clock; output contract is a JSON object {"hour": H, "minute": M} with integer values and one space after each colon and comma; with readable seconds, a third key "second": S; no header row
{"hour": 1, "minute": 41}
